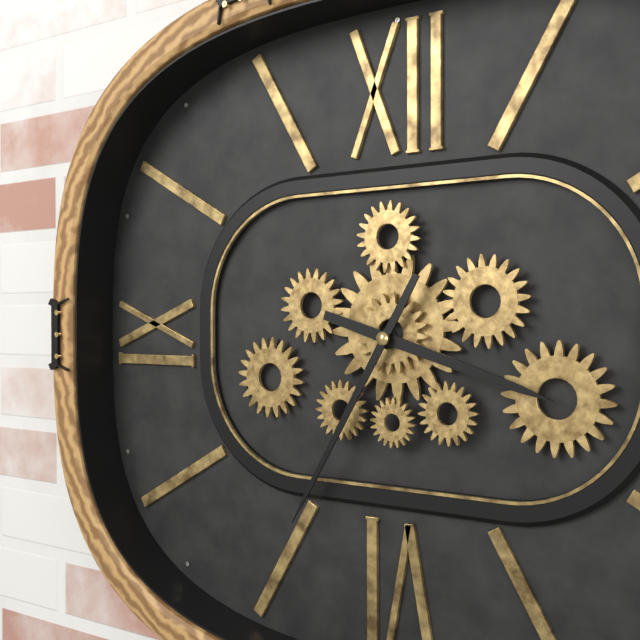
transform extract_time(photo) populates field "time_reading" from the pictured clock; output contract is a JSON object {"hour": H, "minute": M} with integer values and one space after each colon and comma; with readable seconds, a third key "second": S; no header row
{"hour": 3, "minute": 35}
